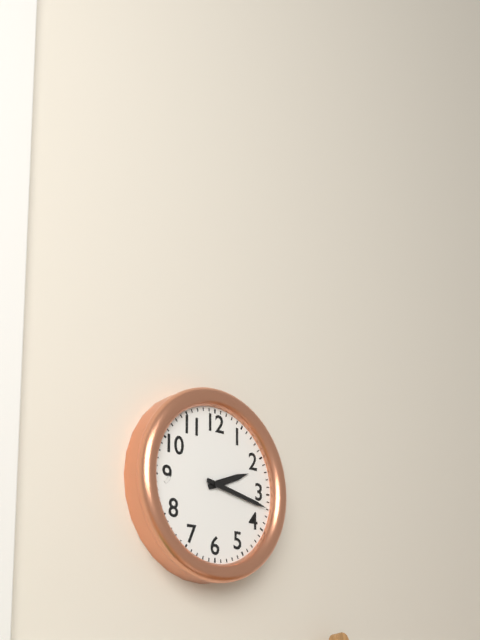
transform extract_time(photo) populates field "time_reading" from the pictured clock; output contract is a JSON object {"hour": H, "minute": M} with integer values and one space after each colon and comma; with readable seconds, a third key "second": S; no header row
{"hour": 2, "minute": 17}
